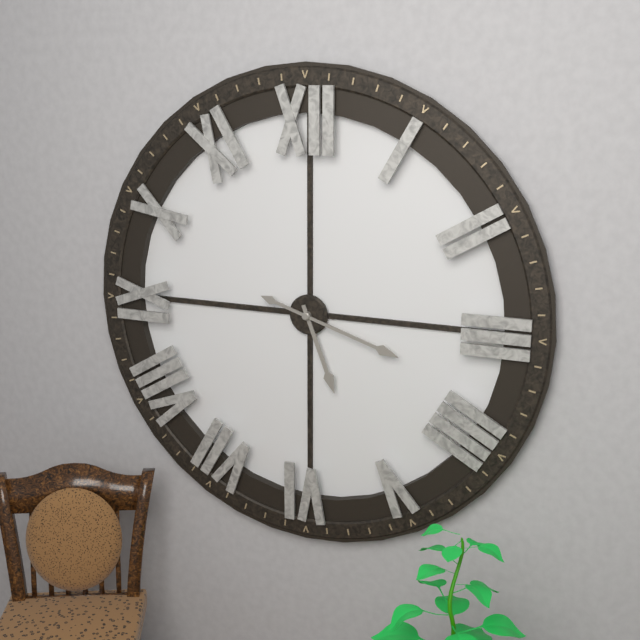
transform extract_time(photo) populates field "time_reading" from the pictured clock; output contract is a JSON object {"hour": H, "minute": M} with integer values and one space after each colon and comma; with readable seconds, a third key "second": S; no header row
{"hour": 5, "minute": 18}
